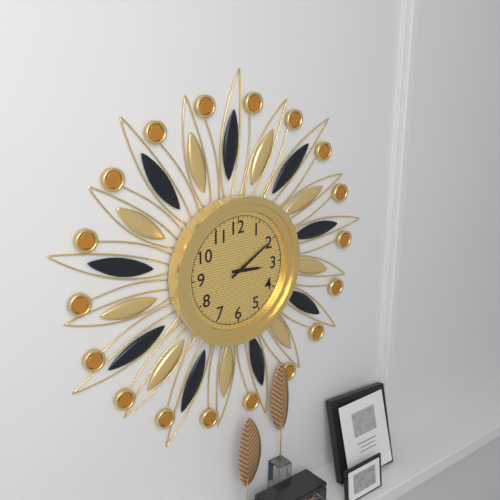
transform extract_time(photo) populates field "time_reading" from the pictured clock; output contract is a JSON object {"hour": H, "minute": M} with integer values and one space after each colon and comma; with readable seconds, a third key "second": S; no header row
{"hour": 3, "minute": 10}
